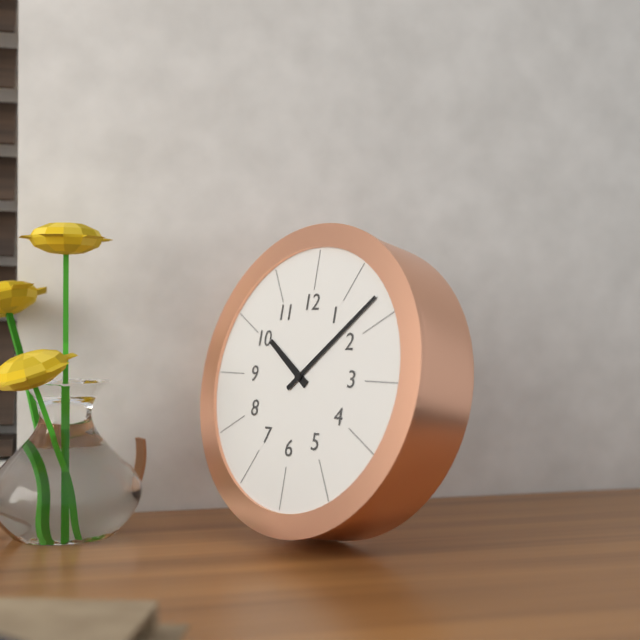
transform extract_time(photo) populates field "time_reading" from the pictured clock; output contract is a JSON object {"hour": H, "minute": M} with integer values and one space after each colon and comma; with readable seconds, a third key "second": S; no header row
{"hour": 10, "minute": 8}
